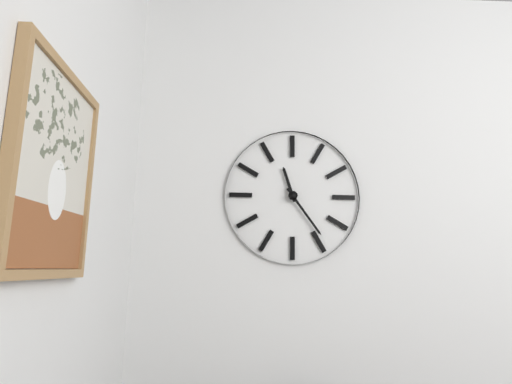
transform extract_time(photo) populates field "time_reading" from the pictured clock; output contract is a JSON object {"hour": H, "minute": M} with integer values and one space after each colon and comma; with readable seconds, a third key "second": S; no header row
{"hour": 11, "minute": 24}
